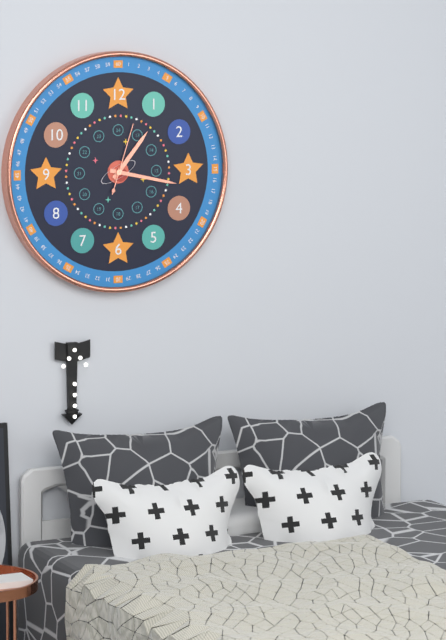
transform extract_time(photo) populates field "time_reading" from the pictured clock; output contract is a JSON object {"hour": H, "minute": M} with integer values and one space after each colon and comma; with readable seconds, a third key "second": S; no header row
{"hour": 1, "minute": 17, "second": 3}
